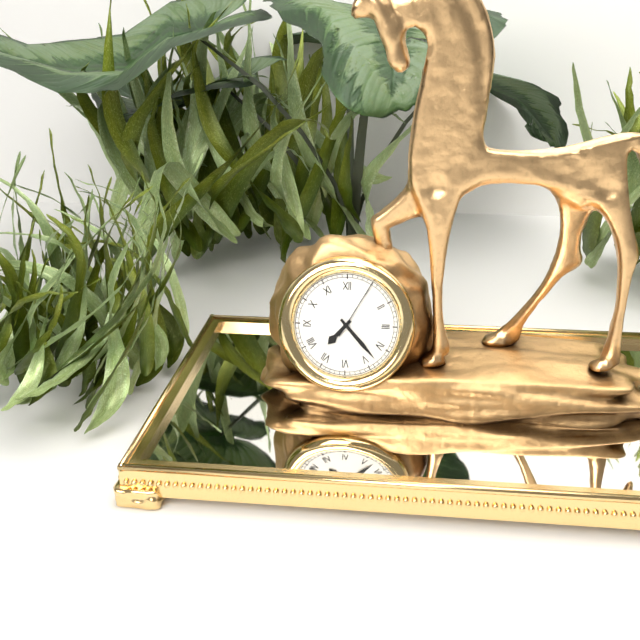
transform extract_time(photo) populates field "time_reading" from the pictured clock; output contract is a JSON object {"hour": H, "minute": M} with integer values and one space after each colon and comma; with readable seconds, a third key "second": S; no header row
{"hour": 7, "minute": 23, "second": 5}
